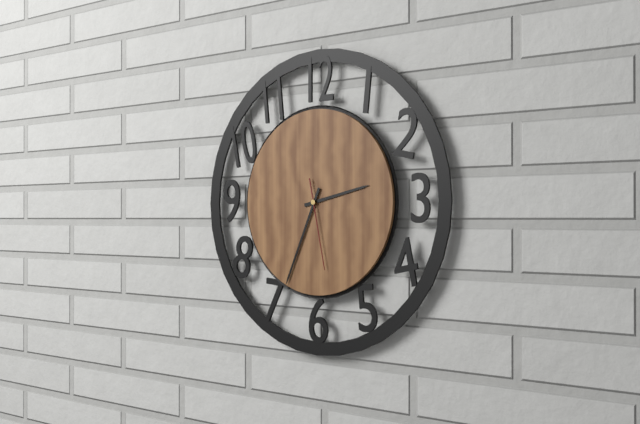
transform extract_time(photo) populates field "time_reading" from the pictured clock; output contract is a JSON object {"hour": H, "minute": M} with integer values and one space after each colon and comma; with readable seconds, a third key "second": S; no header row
{"hour": 2, "minute": 34, "second": 28}
